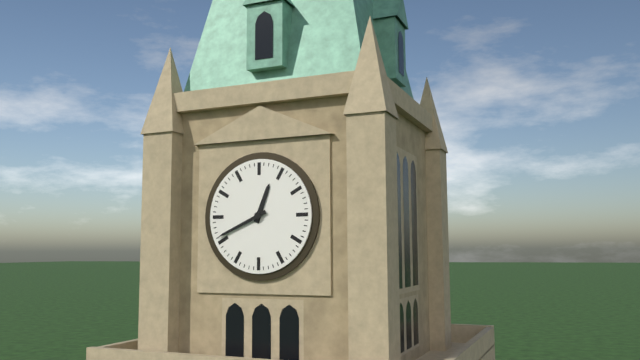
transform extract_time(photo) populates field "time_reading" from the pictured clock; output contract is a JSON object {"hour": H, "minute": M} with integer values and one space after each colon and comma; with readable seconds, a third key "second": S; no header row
{"hour": 12, "minute": 41}
